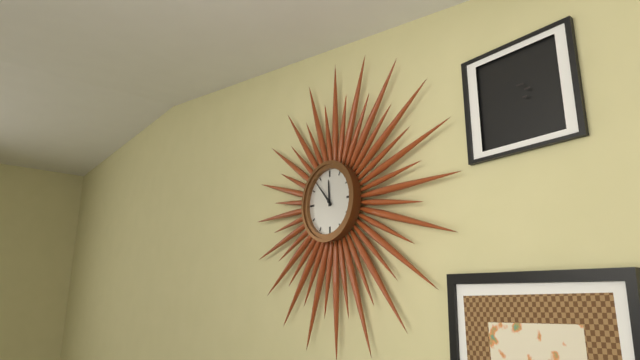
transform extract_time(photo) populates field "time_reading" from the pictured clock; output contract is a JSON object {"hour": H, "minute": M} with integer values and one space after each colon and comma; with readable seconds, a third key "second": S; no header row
{"hour": 11, "minute": 53}
